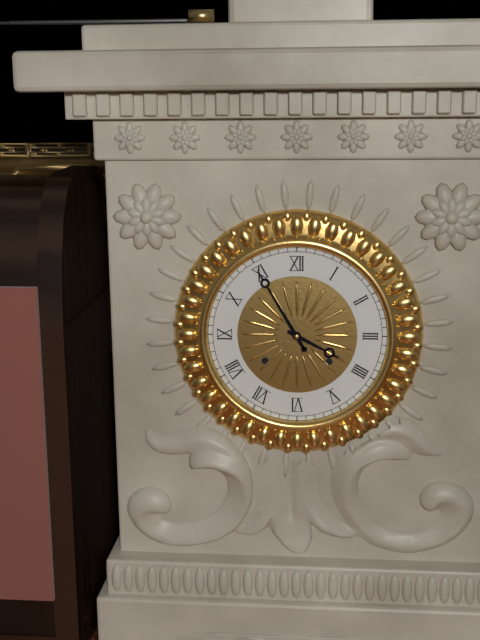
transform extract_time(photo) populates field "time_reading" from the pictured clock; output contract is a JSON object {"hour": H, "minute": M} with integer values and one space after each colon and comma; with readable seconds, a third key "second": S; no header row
{"hour": 3, "minute": 55}
